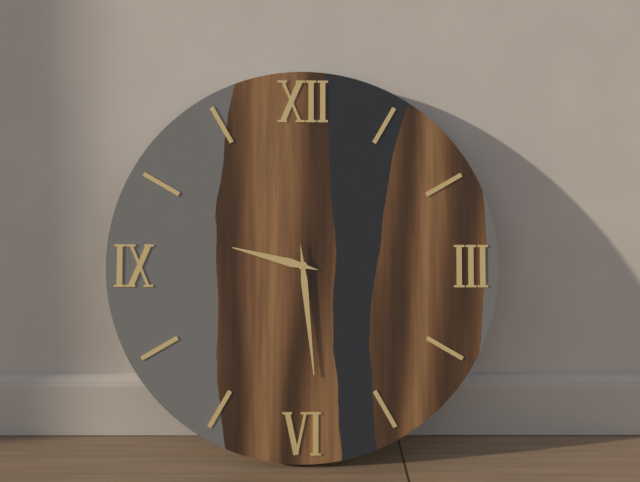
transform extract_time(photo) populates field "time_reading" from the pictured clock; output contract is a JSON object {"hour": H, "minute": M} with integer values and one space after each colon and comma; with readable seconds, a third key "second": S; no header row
{"hour": 9, "minute": 29}
